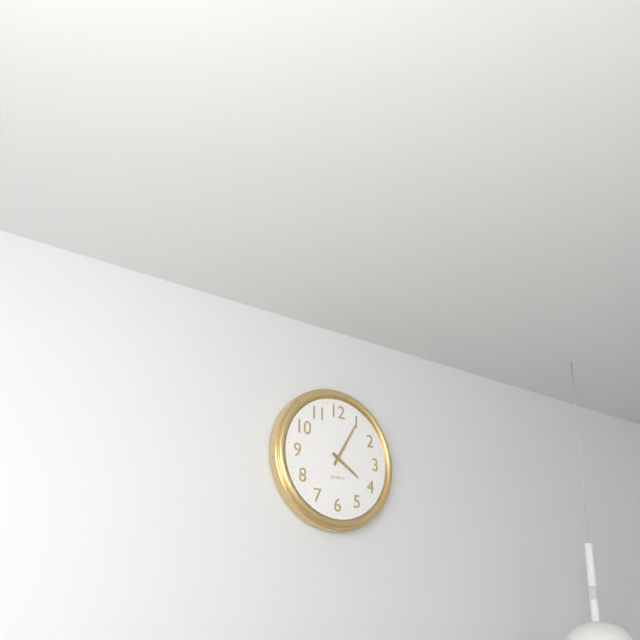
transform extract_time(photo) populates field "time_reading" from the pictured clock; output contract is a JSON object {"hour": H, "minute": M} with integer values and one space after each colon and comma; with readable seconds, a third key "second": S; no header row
{"hour": 4, "minute": 5}
